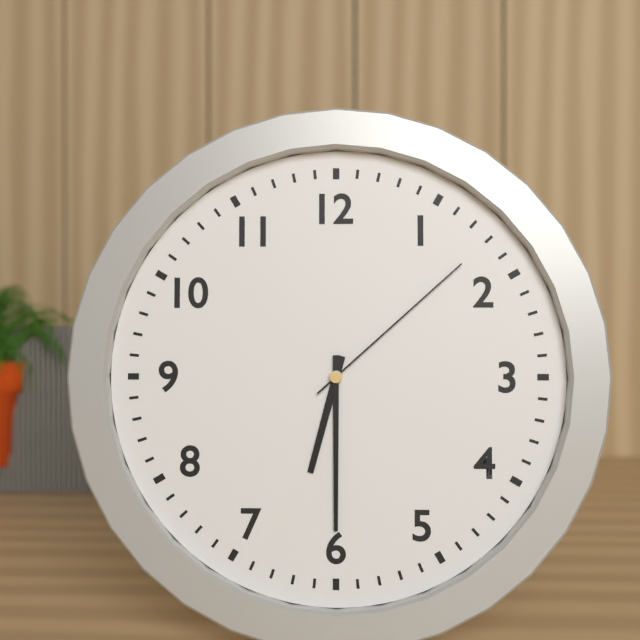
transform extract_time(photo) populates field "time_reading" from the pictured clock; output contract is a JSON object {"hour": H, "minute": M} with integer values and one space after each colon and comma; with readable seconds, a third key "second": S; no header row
{"hour": 6, "minute": 30, "second": 8}
